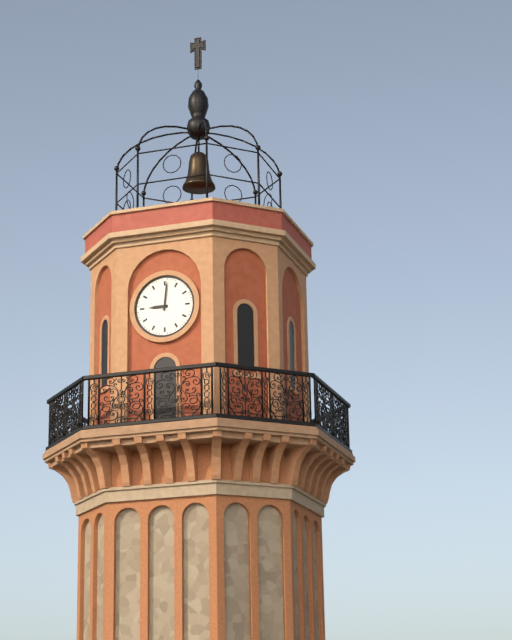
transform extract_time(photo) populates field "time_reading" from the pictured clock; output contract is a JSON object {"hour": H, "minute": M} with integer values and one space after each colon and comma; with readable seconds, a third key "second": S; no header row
{"hour": 9, "minute": 1}
